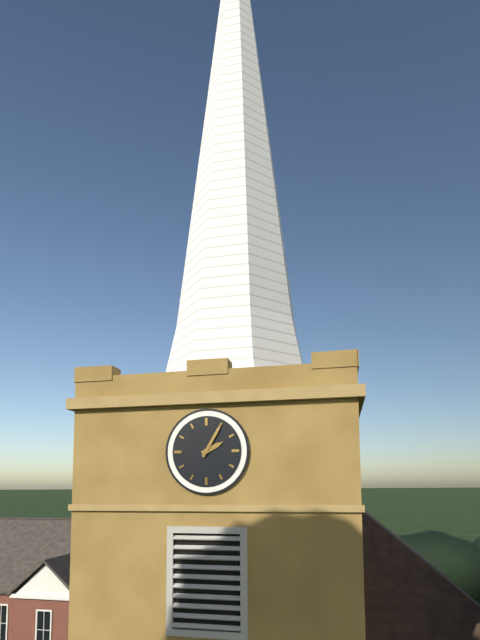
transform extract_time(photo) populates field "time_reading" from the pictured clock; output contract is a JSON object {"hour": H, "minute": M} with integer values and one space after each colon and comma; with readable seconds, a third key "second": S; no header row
{"hour": 2, "minute": 5}
